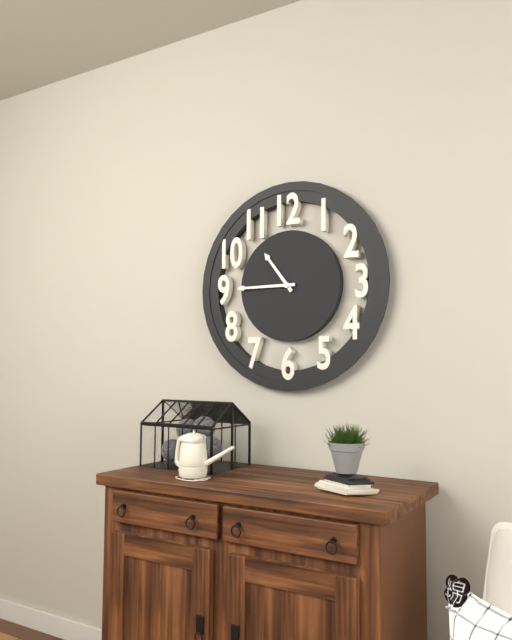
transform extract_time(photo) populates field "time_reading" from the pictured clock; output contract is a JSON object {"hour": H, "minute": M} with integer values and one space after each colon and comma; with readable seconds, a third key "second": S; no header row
{"hour": 10, "minute": 45}
